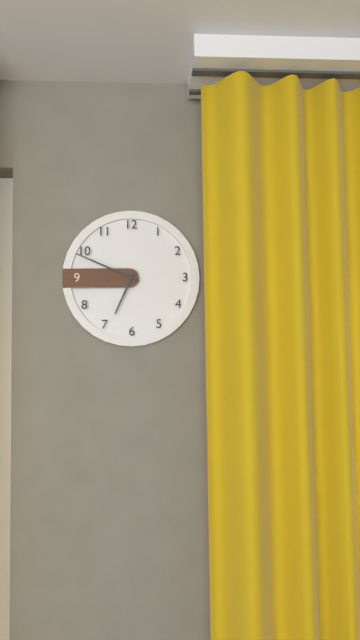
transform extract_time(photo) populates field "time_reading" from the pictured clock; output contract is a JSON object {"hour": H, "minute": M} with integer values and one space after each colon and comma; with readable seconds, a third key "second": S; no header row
{"hour": 6, "minute": 49}
